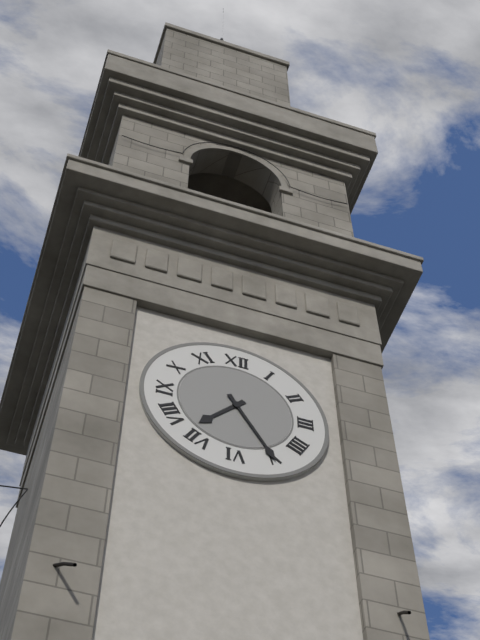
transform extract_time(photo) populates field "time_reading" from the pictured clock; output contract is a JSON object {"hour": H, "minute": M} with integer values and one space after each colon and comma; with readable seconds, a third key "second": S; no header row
{"hour": 7, "minute": 25}
